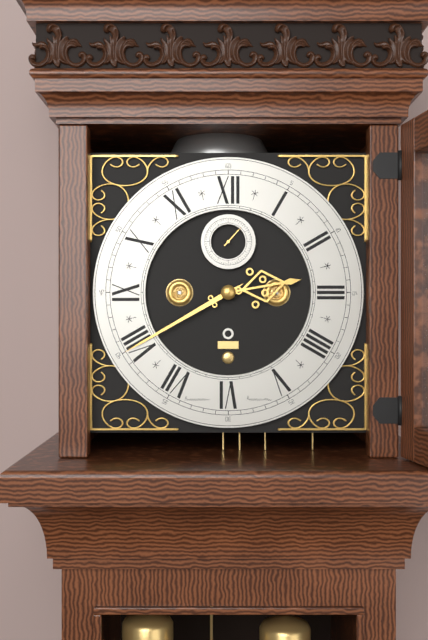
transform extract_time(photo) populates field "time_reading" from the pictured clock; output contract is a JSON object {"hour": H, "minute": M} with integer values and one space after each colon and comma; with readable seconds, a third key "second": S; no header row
{"hour": 2, "minute": 40}
